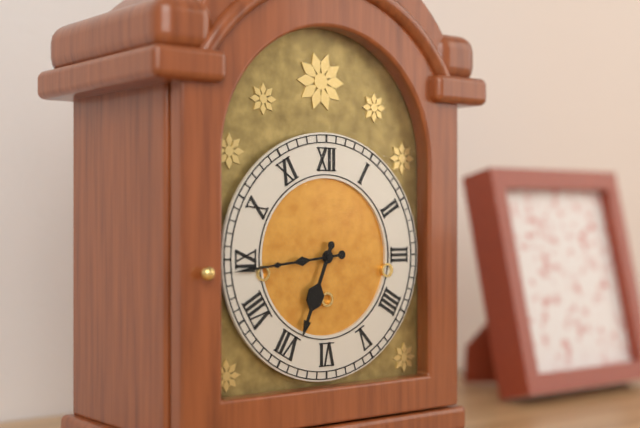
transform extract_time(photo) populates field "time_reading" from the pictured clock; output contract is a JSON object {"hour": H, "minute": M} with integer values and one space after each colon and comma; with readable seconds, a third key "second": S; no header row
{"hour": 6, "minute": 44}
